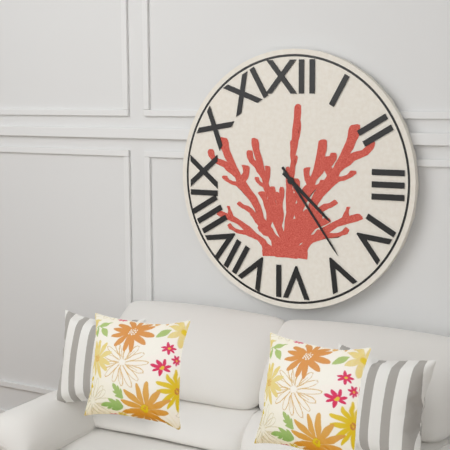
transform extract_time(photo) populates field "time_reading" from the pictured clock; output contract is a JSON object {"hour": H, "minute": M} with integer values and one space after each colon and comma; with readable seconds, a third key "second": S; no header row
{"hour": 4, "minute": 24}
